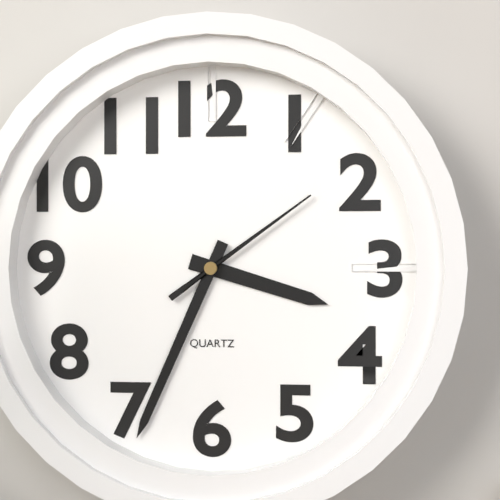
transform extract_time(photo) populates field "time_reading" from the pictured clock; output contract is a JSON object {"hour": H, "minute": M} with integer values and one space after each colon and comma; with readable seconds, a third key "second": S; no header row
{"hour": 3, "minute": 34, "second": 9}
